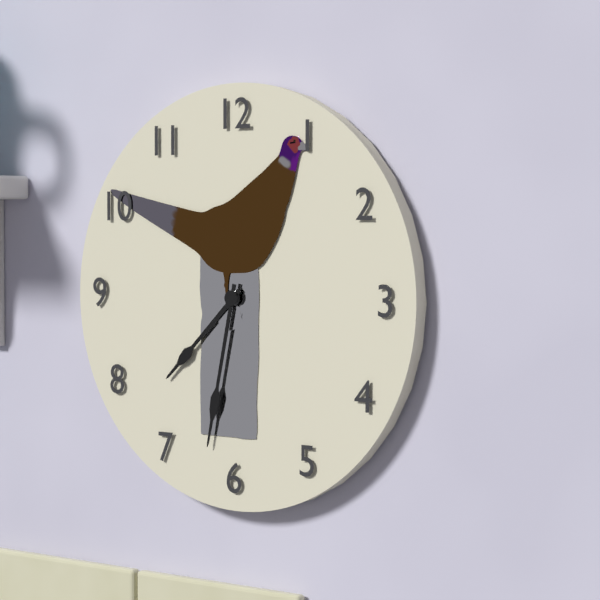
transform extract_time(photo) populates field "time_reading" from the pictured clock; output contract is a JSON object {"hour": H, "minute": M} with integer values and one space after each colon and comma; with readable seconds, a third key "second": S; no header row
{"hour": 7, "minute": 32}
